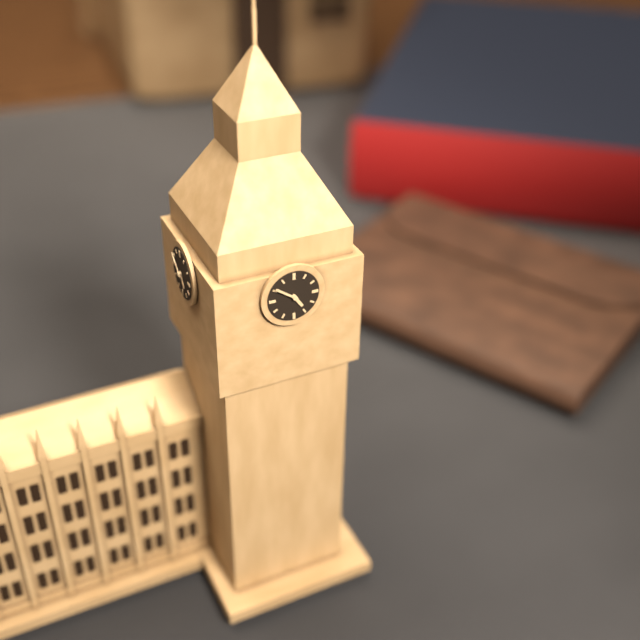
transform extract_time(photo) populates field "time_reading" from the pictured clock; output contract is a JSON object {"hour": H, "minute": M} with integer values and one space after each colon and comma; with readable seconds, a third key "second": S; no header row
{"hour": 4, "minute": 51}
